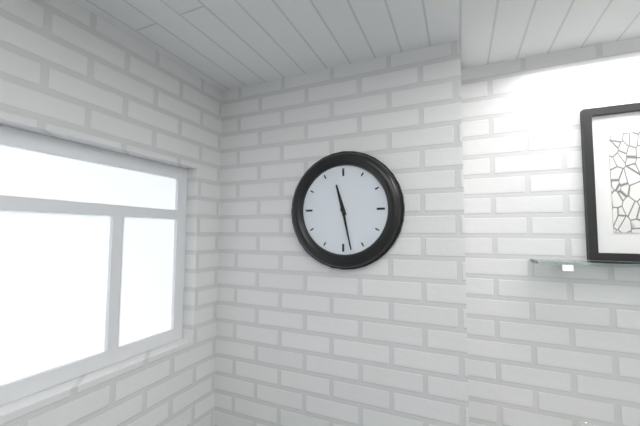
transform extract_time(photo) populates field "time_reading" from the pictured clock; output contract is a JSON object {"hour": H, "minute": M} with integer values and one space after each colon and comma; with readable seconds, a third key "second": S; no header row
{"hour": 11, "minute": 28}
